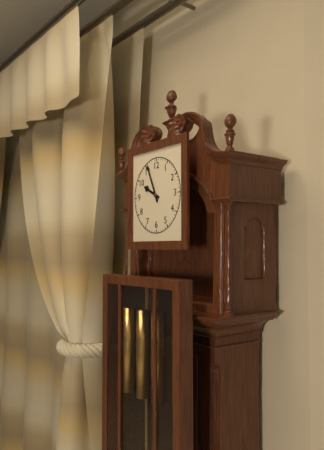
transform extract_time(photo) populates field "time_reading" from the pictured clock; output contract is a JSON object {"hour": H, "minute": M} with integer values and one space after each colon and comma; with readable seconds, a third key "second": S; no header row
{"hour": 9, "minute": 56}
